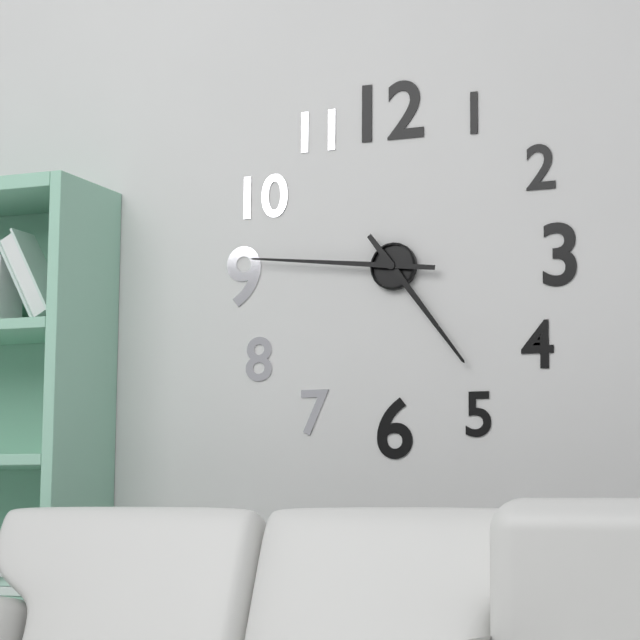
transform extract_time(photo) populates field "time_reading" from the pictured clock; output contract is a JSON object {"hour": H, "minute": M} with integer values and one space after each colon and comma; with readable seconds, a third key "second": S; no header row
{"hour": 4, "minute": 46}
